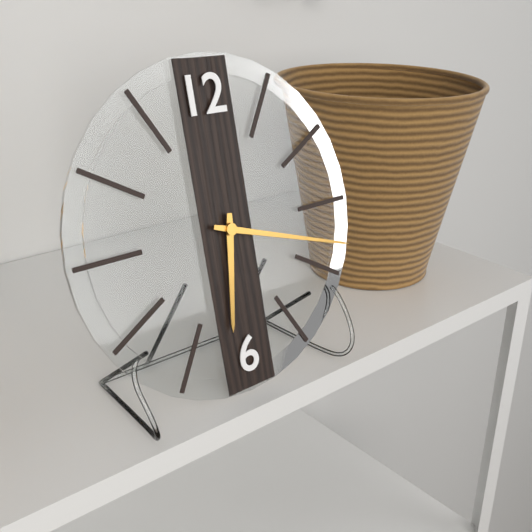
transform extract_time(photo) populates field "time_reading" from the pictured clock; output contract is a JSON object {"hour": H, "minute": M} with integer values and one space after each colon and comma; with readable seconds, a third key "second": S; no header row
{"hour": 6, "minute": 18}
